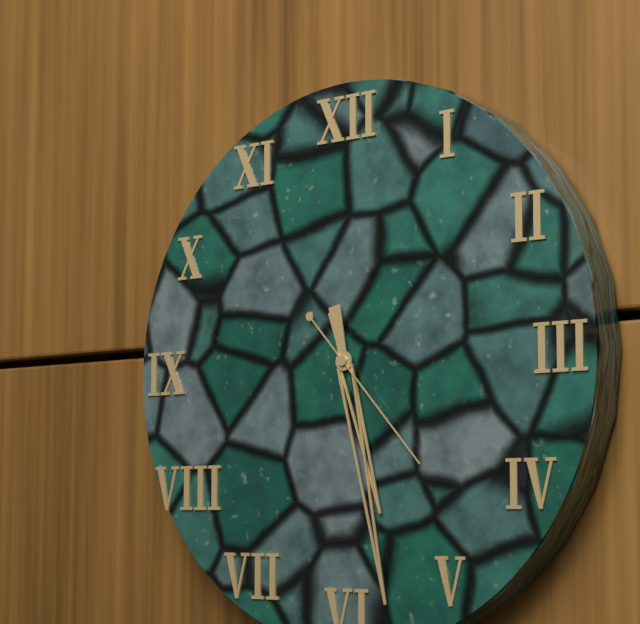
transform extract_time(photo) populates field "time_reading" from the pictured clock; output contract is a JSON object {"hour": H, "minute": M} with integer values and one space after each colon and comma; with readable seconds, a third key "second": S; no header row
{"hour": 5, "minute": 28, "second": 23}
